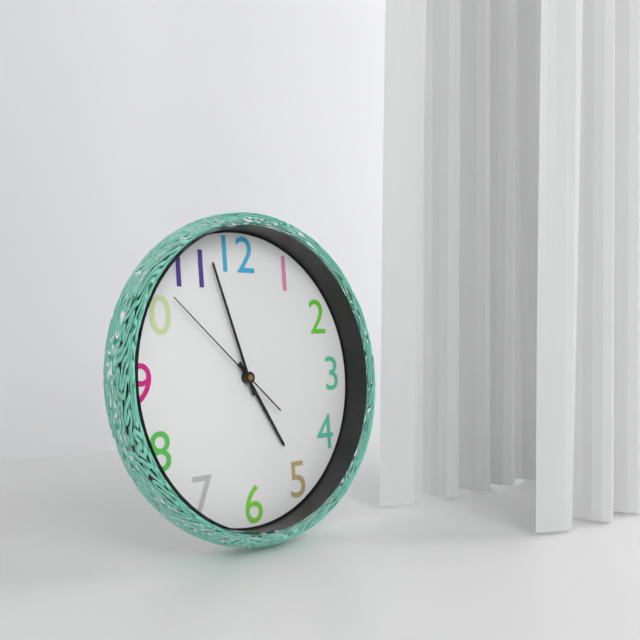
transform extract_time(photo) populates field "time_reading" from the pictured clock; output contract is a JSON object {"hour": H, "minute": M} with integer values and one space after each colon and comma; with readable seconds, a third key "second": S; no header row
{"hour": 4, "minute": 57, "second": 52}
